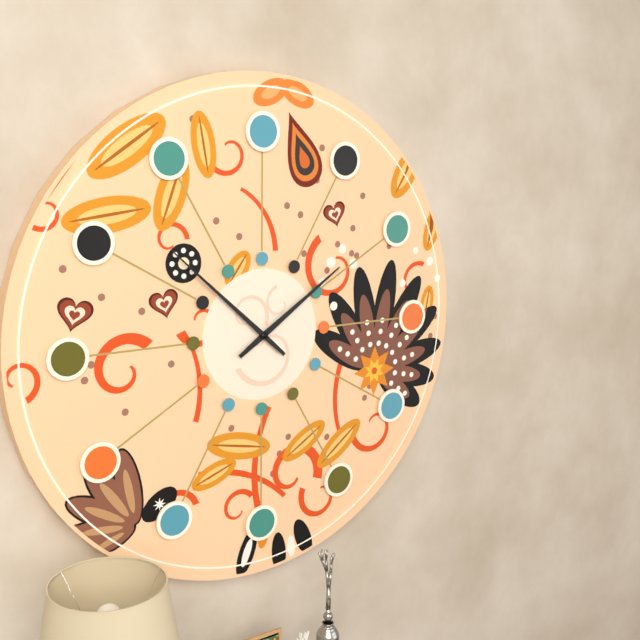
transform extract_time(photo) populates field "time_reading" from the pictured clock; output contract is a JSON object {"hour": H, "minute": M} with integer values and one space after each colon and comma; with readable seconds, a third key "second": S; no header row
{"hour": 1, "minute": 52}
